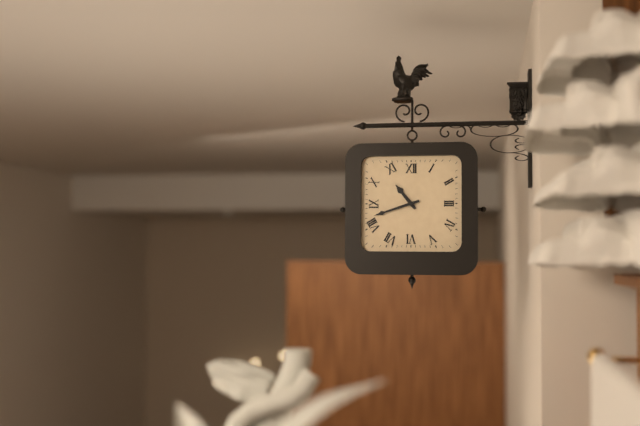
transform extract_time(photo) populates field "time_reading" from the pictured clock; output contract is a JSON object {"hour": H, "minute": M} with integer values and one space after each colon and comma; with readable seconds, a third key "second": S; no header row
{"hour": 10, "minute": 42}
